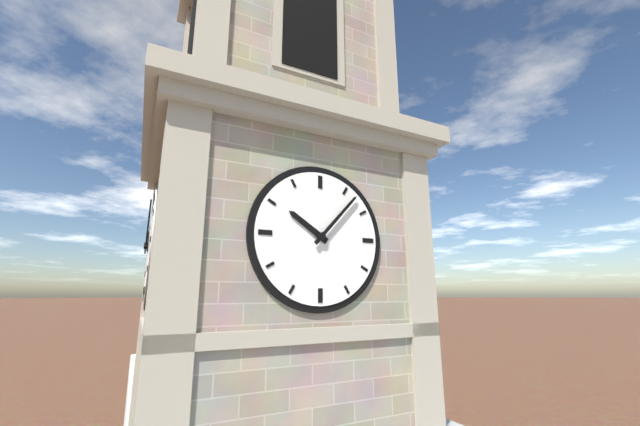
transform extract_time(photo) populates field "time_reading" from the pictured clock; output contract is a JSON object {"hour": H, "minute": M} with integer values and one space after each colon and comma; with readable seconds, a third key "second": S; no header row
{"hour": 10, "minute": 7}
